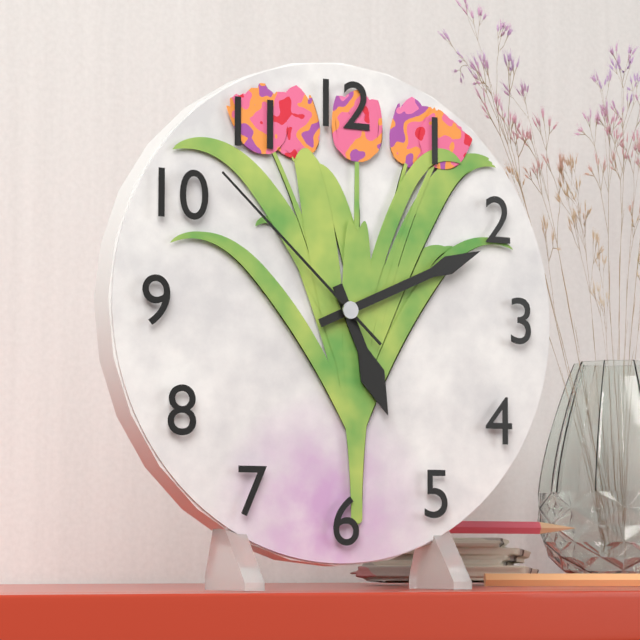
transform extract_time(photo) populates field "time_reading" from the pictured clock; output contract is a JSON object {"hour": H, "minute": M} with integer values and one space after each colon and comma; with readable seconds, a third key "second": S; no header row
{"hour": 5, "minute": 11, "second": 52}
